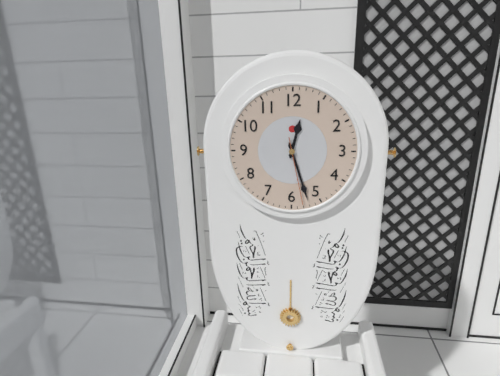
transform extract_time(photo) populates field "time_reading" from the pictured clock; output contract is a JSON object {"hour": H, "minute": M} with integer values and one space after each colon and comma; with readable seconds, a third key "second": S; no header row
{"hour": 12, "minute": 27, "second": 28}
